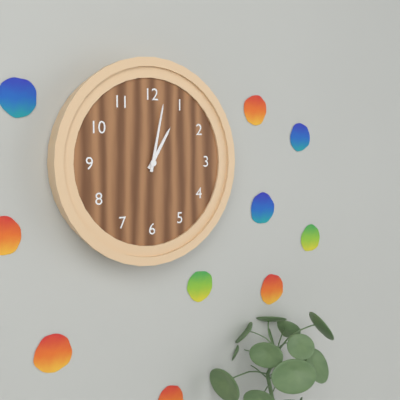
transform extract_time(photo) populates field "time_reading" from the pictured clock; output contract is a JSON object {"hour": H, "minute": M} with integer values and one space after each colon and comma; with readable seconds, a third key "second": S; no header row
{"hour": 1, "minute": 2}
